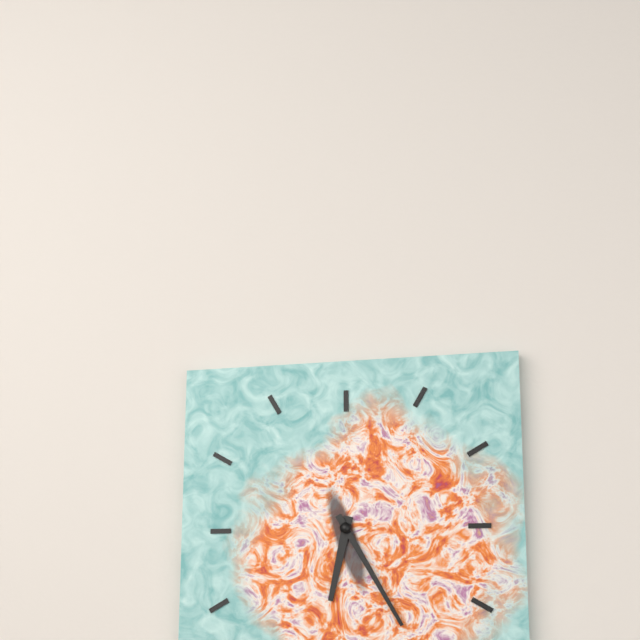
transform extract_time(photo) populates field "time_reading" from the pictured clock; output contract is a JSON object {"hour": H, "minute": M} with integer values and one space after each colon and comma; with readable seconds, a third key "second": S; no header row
{"hour": 6, "minute": 25}
